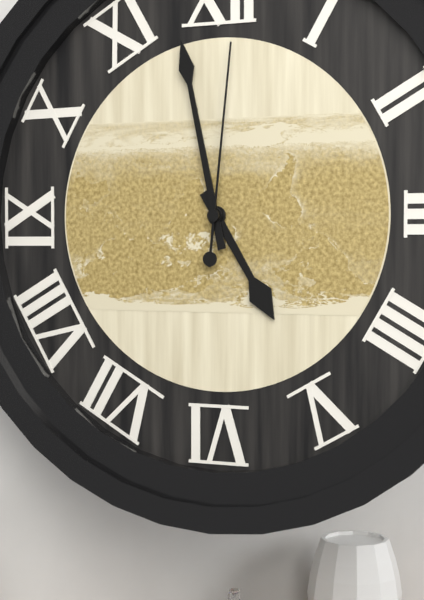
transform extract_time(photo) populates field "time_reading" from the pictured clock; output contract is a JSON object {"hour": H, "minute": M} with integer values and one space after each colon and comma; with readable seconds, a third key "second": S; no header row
{"hour": 4, "minute": 58, "second": 1}
